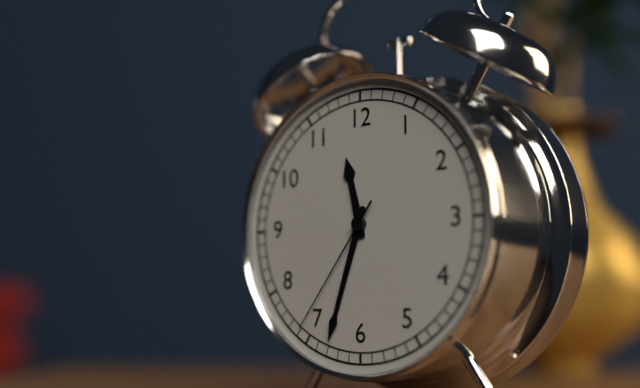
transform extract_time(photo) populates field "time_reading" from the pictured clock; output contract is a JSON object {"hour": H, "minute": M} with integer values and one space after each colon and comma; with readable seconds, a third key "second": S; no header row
{"hour": 11, "minute": 33, "second": 36}
